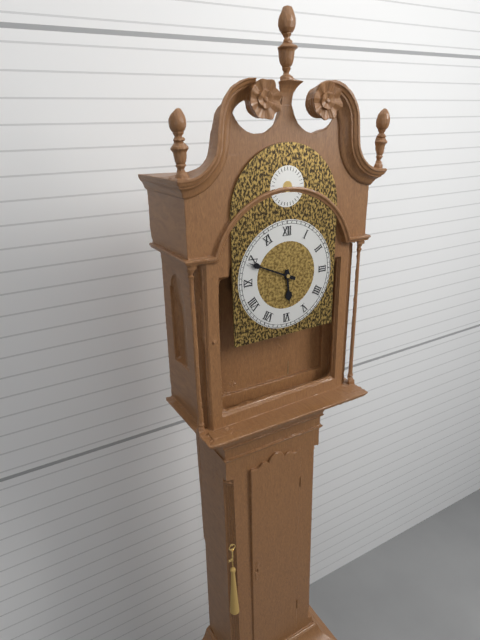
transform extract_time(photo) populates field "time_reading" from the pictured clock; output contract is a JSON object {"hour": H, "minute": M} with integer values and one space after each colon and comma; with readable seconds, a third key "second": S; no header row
{"hour": 5, "minute": 49}
